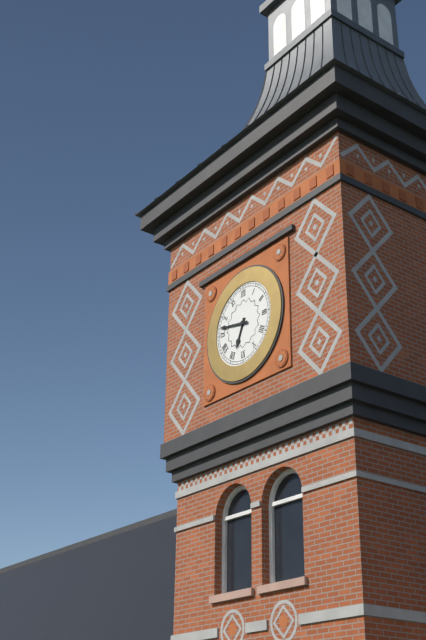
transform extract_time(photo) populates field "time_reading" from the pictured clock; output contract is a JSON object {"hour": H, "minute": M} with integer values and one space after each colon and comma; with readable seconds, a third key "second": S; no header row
{"hour": 6, "minute": 47}
